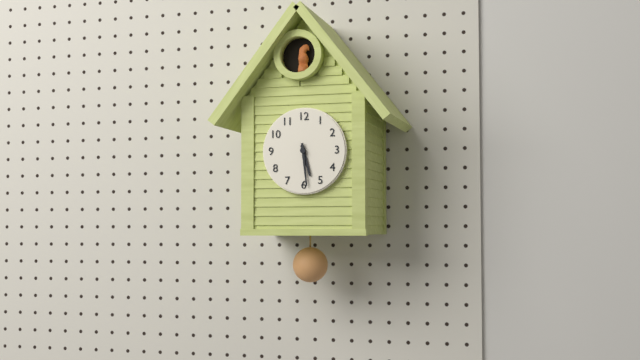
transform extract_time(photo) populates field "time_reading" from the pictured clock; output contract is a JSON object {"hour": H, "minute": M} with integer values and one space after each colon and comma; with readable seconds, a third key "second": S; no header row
{"hour": 5, "minute": 29}
